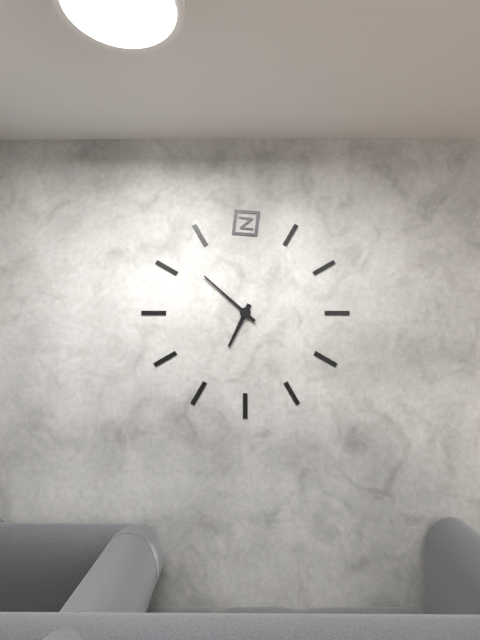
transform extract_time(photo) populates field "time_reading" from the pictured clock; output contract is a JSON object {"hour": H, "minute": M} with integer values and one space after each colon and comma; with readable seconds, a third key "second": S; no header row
{"hour": 6, "minute": 52}
